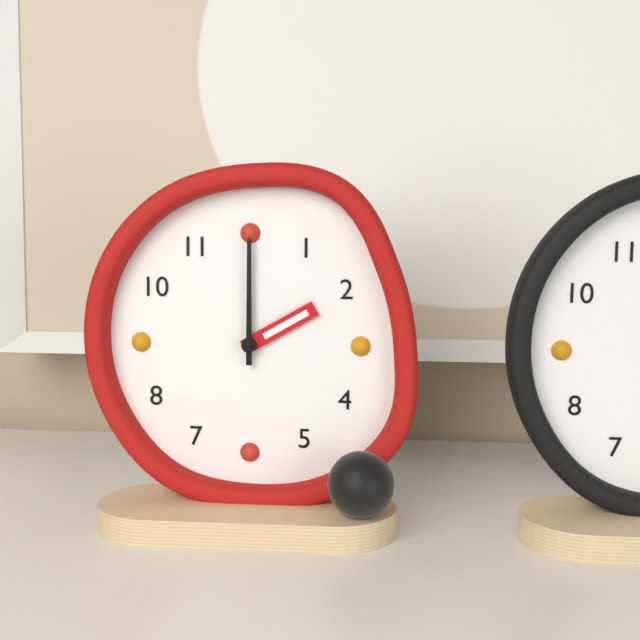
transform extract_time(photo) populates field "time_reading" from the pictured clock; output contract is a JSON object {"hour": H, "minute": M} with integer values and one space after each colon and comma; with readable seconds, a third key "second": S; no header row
{"hour": 2, "minute": 0}
